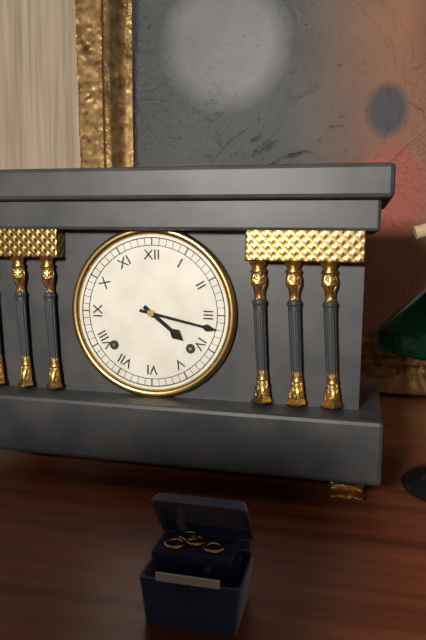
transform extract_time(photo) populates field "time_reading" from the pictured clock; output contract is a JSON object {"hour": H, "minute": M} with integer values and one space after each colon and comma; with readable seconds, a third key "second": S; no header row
{"hour": 4, "minute": 17}
